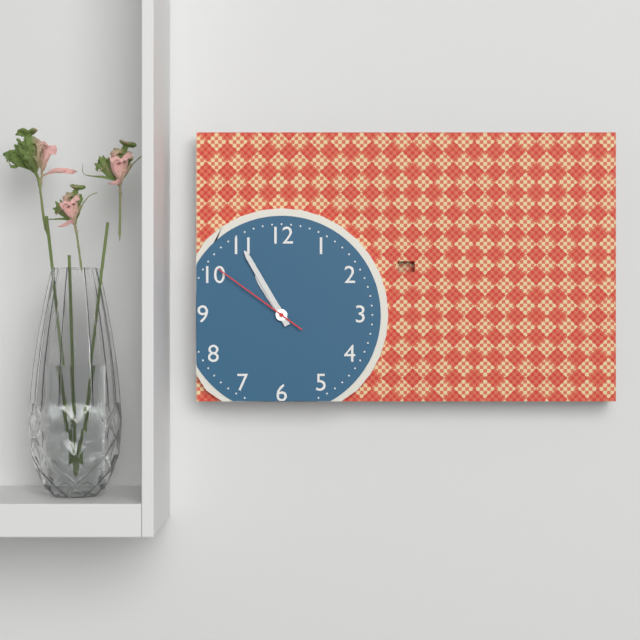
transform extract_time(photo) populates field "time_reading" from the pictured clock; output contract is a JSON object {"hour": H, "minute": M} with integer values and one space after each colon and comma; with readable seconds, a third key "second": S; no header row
{"hour": 10, "minute": 55, "second": 51}
